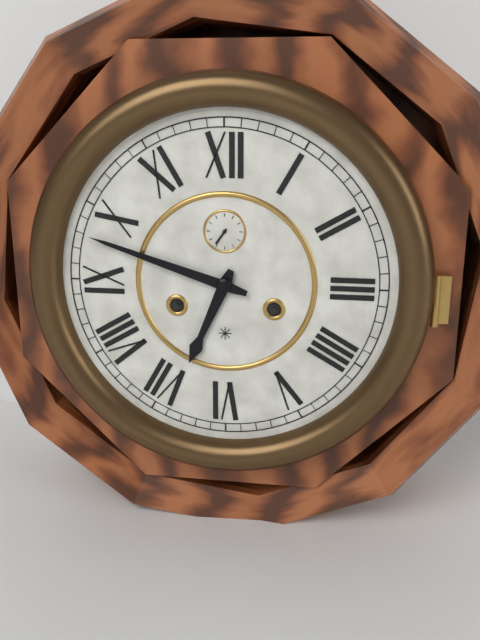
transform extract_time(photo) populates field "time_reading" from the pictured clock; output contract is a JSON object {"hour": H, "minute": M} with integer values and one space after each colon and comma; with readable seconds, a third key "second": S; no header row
{"hour": 6, "minute": 48}
